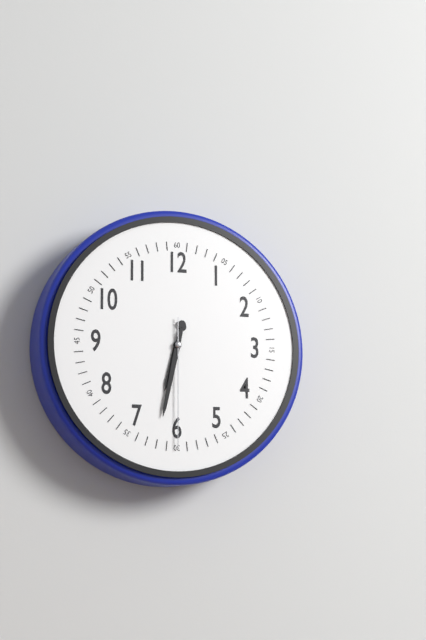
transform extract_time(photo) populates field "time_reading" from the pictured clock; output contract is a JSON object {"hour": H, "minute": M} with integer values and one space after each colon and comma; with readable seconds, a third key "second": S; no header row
{"hour": 6, "minute": 32, "second": 30}
